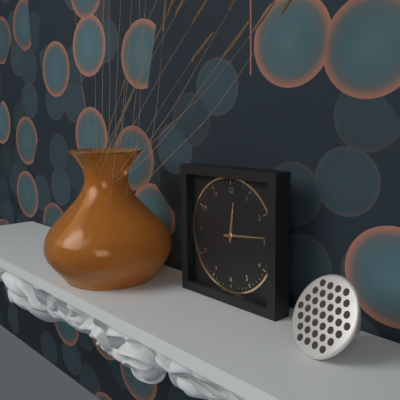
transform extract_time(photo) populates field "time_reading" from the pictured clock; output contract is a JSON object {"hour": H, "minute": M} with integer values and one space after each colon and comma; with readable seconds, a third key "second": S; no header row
{"hour": 12, "minute": 14}
